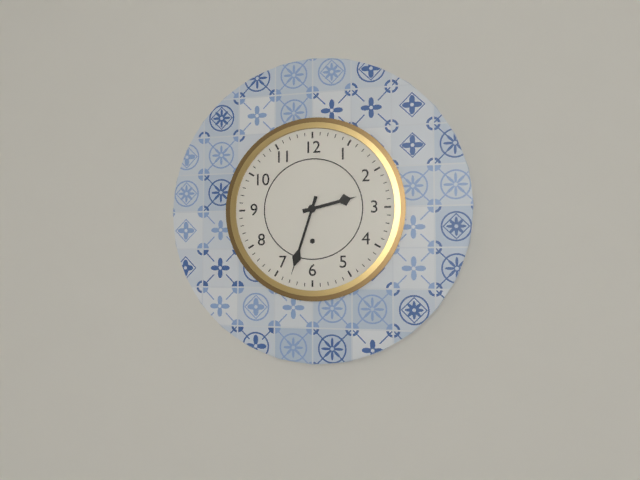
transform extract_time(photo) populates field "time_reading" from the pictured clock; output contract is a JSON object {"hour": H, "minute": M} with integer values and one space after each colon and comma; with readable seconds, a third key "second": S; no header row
{"hour": 2, "minute": 33}
